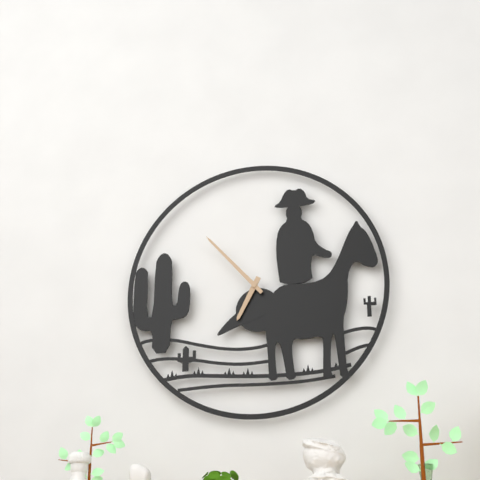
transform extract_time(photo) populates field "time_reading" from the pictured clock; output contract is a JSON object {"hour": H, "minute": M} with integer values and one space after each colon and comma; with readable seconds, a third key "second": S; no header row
{"hour": 6, "minute": 53}
